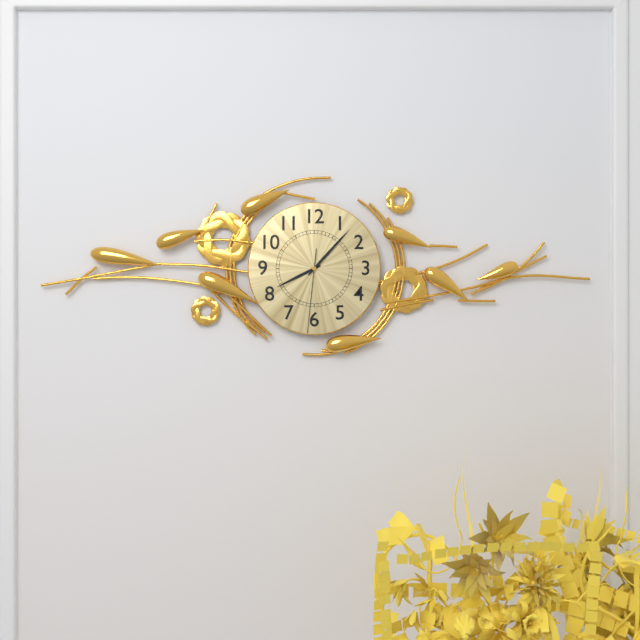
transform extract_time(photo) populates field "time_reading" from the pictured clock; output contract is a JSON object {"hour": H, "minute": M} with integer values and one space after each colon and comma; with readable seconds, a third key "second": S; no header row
{"hour": 8, "minute": 7, "second": 31}
